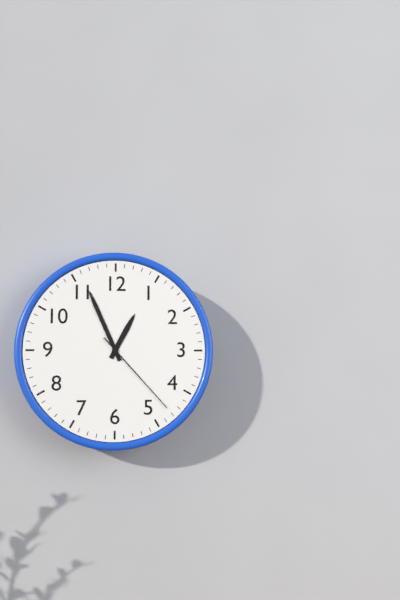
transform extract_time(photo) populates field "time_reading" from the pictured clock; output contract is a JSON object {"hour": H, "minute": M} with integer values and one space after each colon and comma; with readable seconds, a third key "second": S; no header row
{"hour": 12, "minute": 56, "second": 23}
